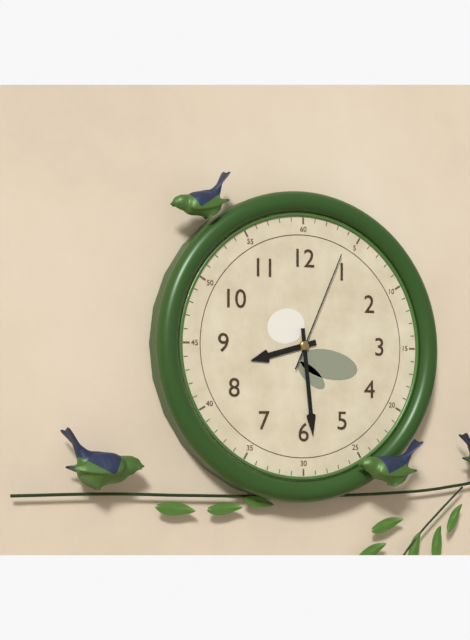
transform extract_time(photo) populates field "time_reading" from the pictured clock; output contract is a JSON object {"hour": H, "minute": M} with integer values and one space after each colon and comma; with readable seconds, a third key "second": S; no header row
{"hour": 8, "minute": 29, "second": 4}
